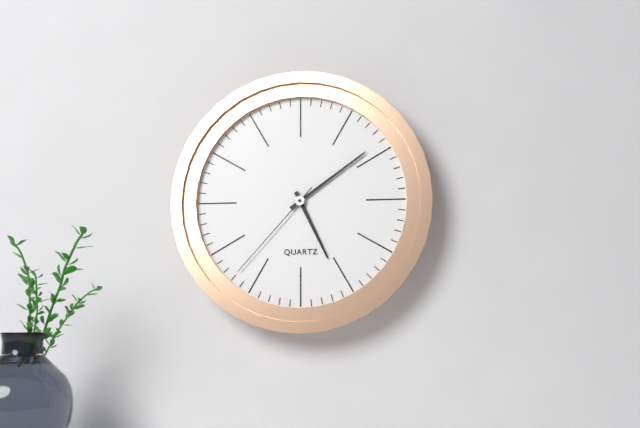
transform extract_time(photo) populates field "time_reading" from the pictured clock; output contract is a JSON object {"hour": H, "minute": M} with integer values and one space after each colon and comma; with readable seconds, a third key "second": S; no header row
{"hour": 5, "minute": 9, "second": 37}
